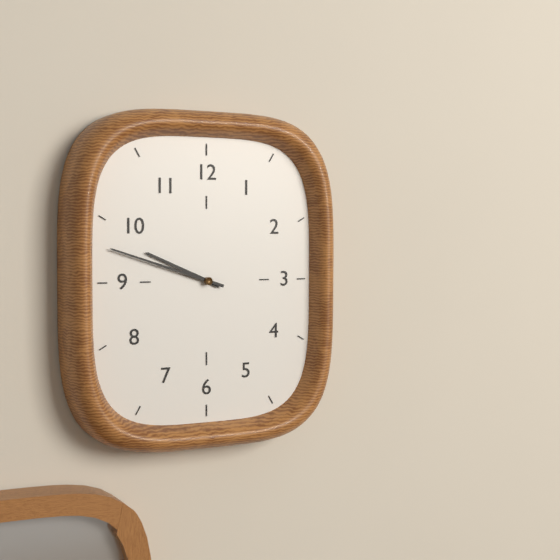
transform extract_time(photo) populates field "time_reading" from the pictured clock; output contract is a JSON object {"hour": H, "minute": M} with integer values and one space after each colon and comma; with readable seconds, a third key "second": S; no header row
{"hour": 9, "minute": 48}
